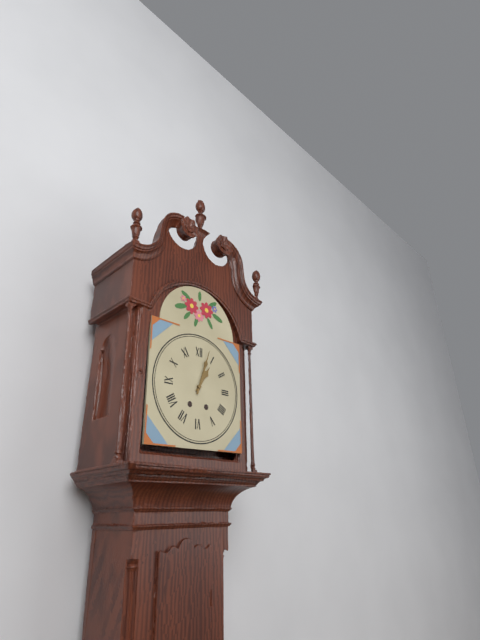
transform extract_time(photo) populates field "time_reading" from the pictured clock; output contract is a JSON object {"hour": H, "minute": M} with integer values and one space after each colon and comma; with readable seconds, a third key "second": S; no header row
{"hour": 1, "minute": 3}
